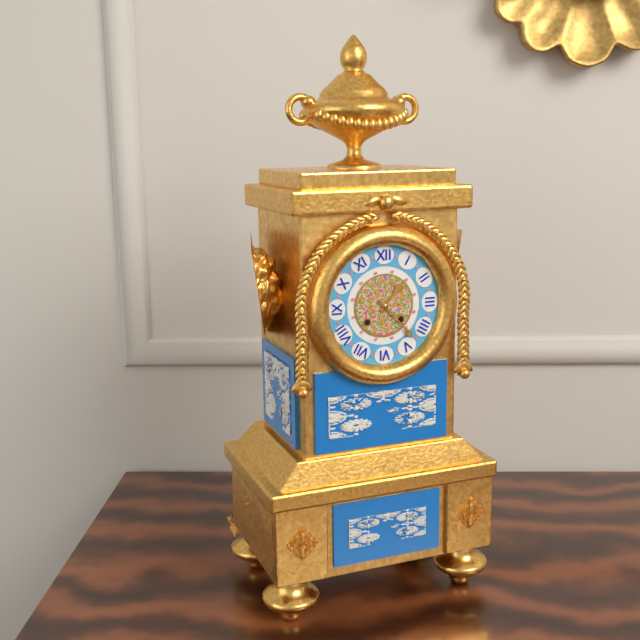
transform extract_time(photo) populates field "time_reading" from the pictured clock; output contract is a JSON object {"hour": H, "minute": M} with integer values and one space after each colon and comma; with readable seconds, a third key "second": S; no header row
{"hour": 1, "minute": 23}
